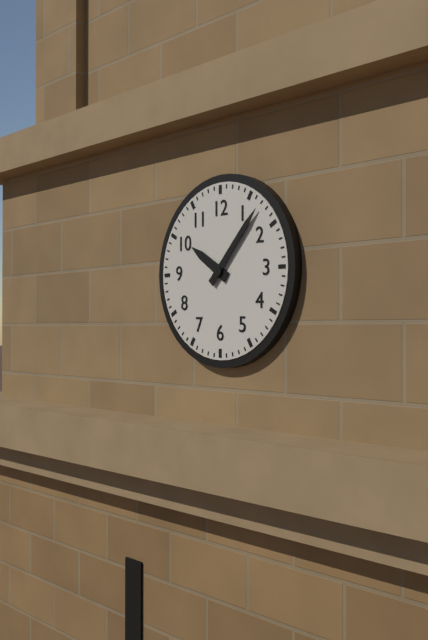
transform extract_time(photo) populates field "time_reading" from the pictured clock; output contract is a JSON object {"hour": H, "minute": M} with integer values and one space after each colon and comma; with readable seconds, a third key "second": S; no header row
{"hour": 10, "minute": 7}
